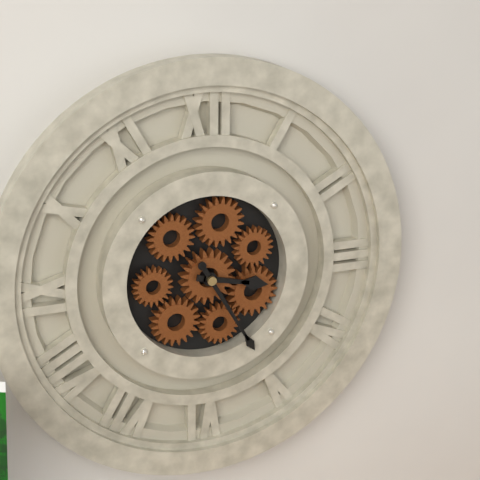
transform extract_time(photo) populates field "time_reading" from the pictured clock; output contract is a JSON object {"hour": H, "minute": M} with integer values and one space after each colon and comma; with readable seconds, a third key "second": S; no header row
{"hour": 3, "minute": 25}
